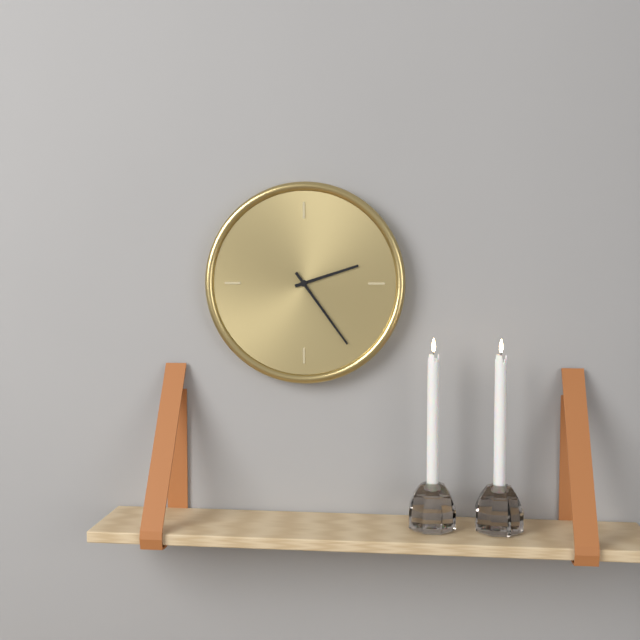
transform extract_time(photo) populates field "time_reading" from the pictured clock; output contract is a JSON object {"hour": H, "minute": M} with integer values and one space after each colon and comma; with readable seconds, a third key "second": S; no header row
{"hour": 2, "minute": 24}
